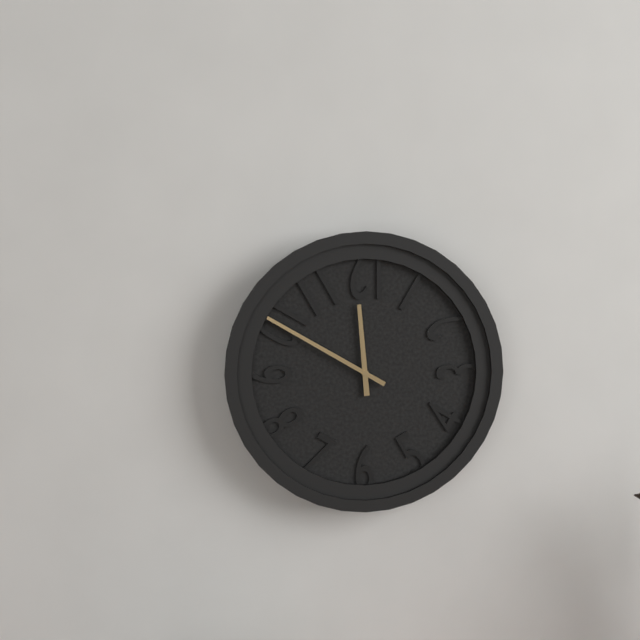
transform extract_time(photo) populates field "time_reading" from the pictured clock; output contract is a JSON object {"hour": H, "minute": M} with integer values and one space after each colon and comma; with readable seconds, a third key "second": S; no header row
{"hour": 11, "minute": 50}
